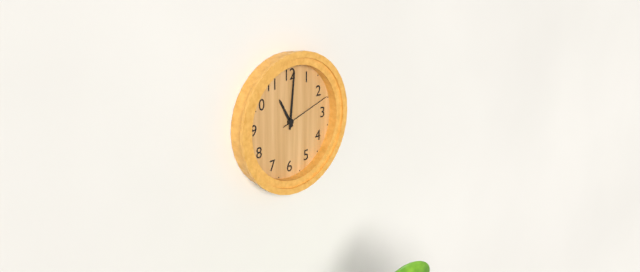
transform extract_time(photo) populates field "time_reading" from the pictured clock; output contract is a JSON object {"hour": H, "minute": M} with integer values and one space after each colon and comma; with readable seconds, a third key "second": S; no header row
{"hour": 11, "minute": 1, "second": 12}
